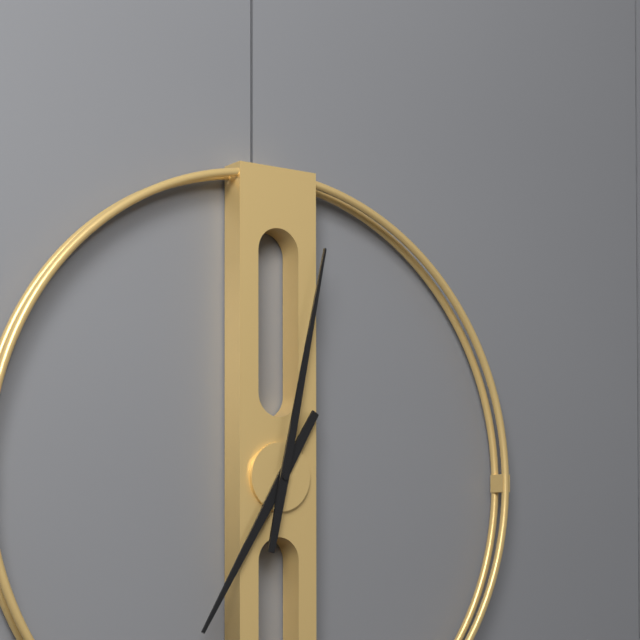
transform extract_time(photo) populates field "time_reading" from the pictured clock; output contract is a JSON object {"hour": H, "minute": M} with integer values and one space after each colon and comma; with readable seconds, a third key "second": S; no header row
{"hour": 7, "minute": 2}
